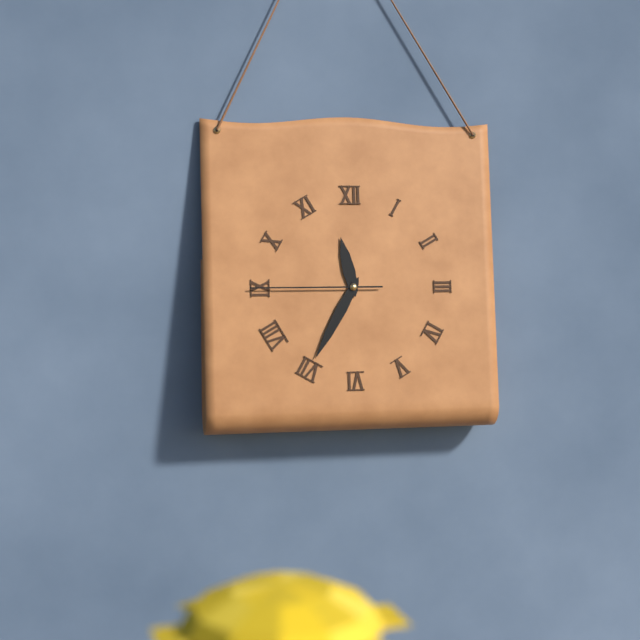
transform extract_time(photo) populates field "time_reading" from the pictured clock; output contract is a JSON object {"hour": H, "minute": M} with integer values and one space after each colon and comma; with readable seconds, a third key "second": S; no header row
{"hour": 11, "minute": 35, "second": 45}
